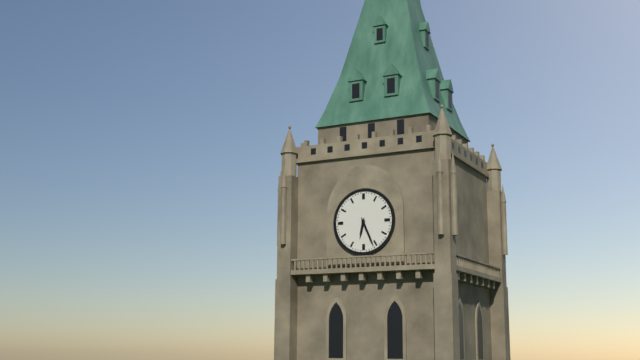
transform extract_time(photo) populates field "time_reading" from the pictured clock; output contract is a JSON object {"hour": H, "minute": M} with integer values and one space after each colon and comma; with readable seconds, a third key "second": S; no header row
{"hour": 6, "minute": 26}
